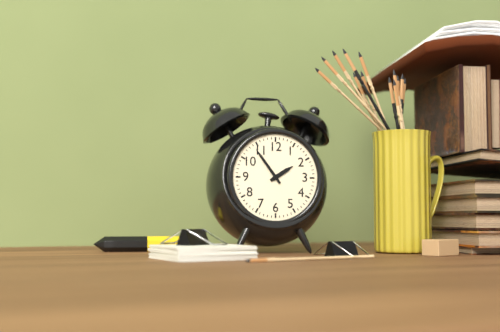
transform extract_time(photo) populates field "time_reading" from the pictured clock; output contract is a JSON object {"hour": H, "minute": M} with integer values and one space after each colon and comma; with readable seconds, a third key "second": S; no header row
{"hour": 1, "minute": 54}
